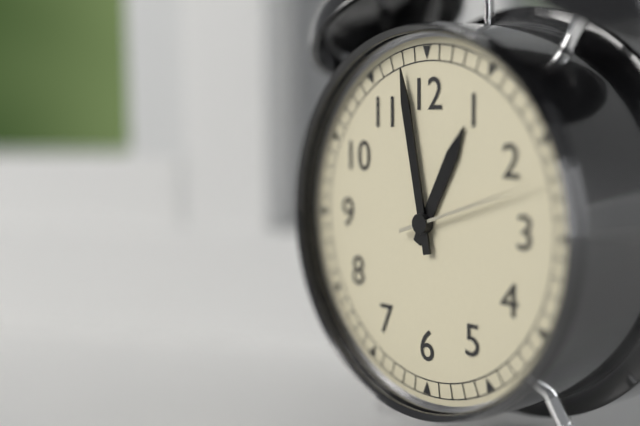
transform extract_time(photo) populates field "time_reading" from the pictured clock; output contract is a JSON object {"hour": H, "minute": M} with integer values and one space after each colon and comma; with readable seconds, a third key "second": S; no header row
{"hour": 12, "minute": 58, "second": 12}
